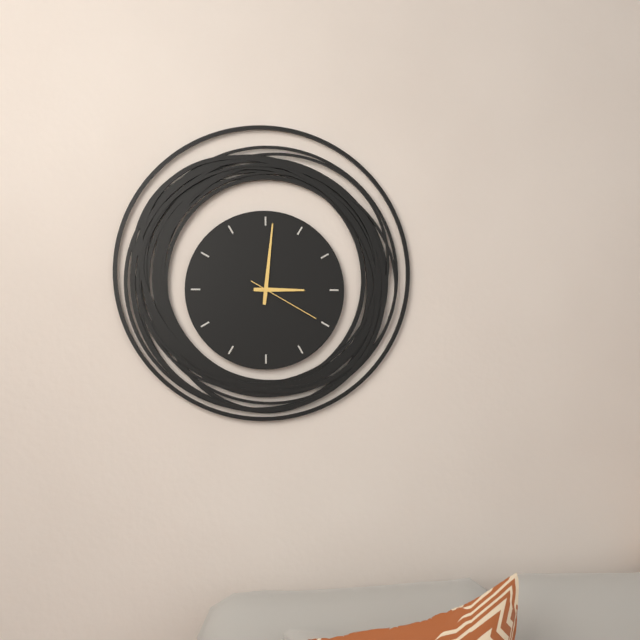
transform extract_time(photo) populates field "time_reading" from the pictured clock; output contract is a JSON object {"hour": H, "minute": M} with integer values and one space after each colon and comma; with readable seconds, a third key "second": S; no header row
{"hour": 3, "minute": 1, "second": 20}
